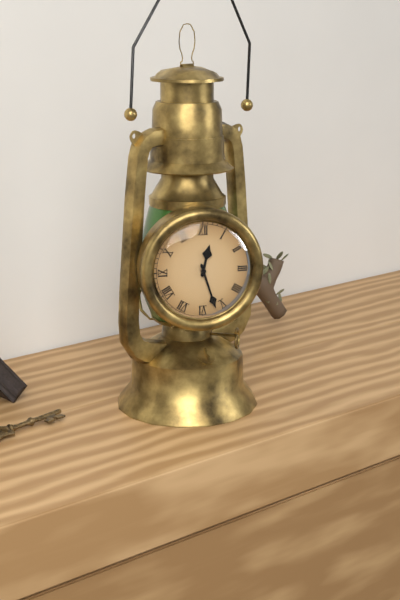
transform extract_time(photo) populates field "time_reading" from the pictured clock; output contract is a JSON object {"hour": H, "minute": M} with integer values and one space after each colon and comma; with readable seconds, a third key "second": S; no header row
{"hour": 12, "minute": 27}
